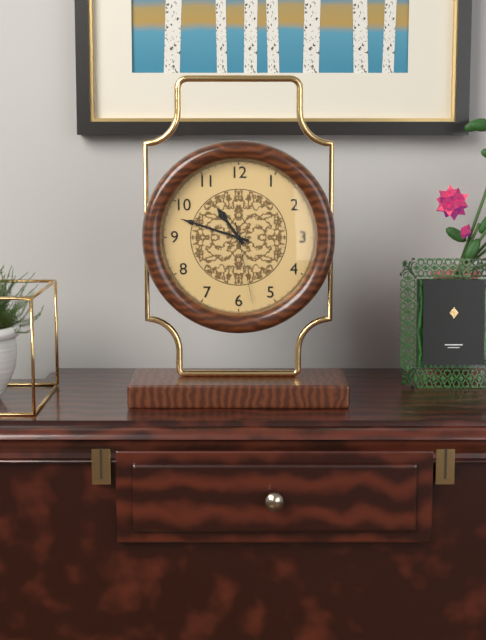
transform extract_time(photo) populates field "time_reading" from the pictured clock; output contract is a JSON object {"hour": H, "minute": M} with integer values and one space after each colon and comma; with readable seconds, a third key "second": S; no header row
{"hour": 10, "minute": 48, "second": 28}
